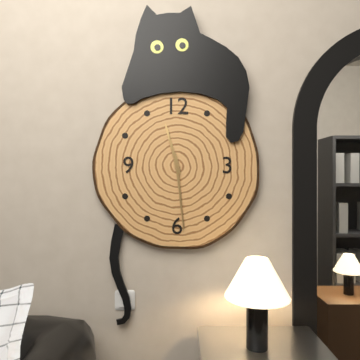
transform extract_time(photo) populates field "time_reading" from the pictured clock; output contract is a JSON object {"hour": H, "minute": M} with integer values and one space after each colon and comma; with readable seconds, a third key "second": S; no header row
{"hour": 11, "minute": 29}
